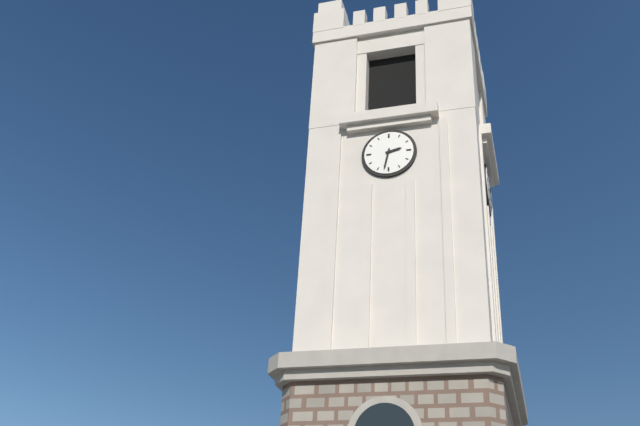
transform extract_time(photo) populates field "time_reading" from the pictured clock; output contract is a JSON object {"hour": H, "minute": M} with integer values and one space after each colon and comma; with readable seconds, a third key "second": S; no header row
{"hour": 2, "minute": 32}
